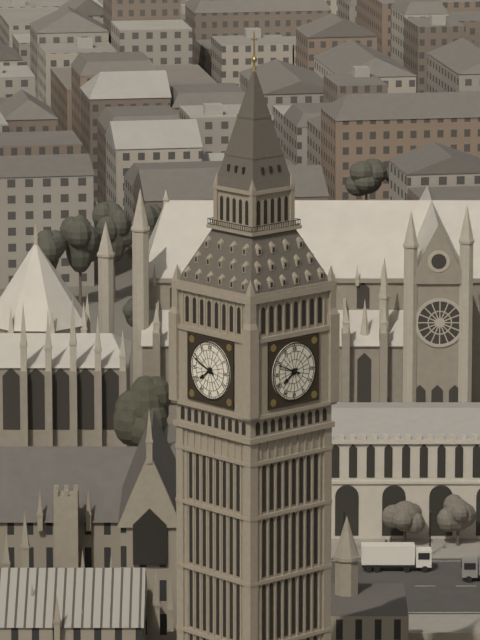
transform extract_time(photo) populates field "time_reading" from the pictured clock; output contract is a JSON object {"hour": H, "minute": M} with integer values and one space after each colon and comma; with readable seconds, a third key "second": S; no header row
{"hour": 7, "minute": 49}
